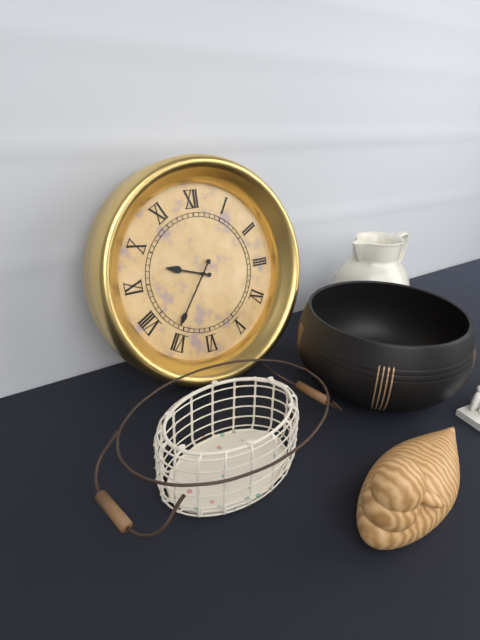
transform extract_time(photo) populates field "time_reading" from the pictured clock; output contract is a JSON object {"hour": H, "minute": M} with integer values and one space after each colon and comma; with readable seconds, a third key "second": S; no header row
{"hour": 9, "minute": 36}
